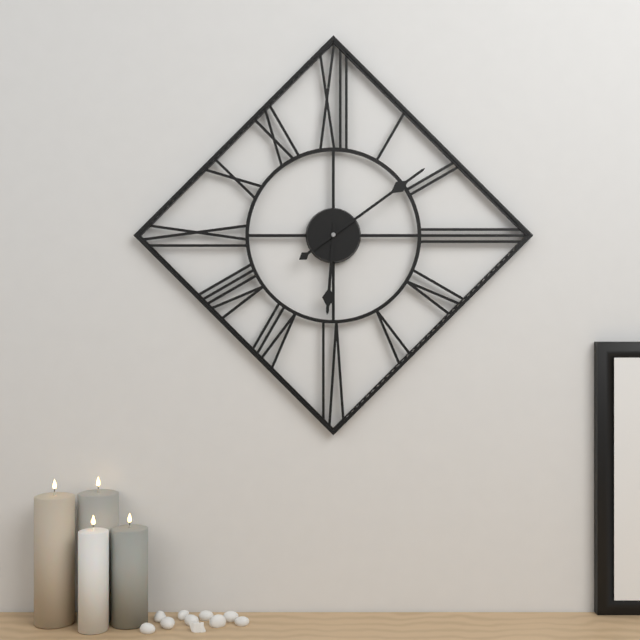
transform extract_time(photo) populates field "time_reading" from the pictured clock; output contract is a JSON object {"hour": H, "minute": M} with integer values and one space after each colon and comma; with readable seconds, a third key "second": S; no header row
{"hour": 6, "minute": 9}
